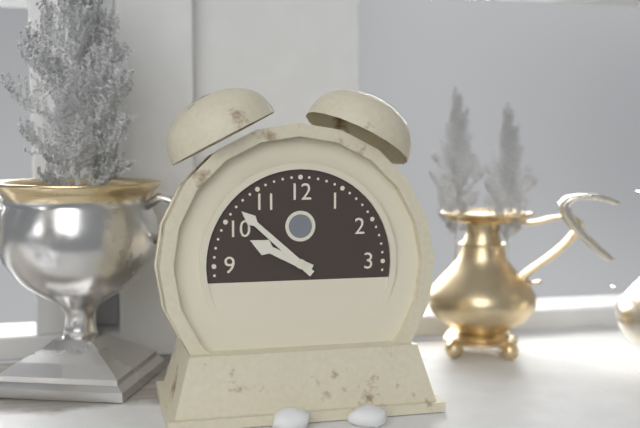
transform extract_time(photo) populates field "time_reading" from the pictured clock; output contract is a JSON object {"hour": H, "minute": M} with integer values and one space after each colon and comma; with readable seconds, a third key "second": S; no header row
{"hour": 9, "minute": 52}
